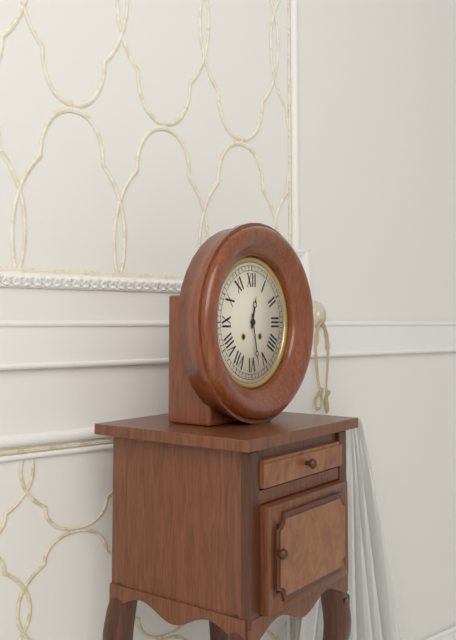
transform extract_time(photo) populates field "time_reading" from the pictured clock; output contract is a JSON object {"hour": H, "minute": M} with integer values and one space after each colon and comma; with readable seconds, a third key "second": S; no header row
{"hour": 12, "minute": 28}
